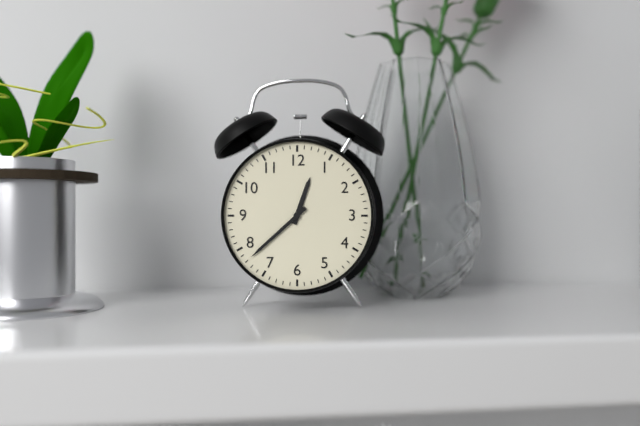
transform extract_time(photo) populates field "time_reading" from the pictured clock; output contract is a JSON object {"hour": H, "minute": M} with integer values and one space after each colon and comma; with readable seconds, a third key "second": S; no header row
{"hour": 12, "minute": 38}
